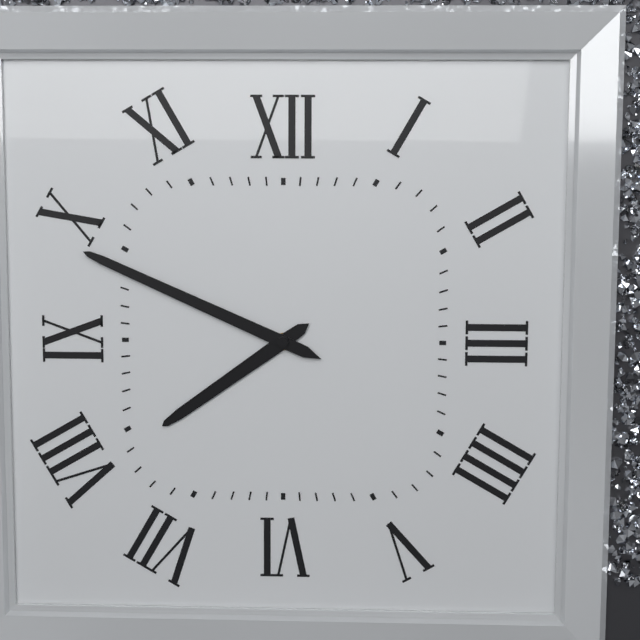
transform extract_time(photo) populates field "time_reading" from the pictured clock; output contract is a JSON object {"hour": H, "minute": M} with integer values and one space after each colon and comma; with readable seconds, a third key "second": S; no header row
{"hour": 7, "minute": 49}
